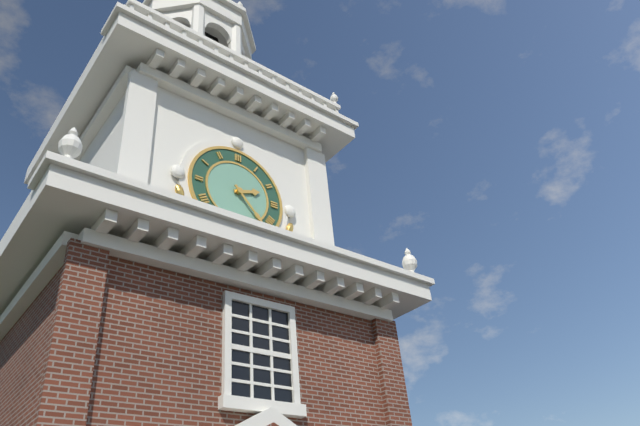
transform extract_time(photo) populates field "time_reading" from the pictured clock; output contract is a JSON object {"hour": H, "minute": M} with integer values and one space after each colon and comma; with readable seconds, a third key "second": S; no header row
{"hour": 2, "minute": 23}
